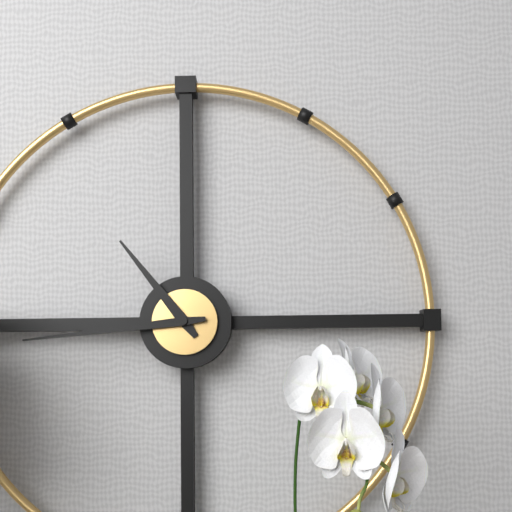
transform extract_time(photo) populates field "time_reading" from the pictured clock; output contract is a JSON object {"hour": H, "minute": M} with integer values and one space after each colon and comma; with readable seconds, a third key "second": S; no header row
{"hour": 10, "minute": 44}
